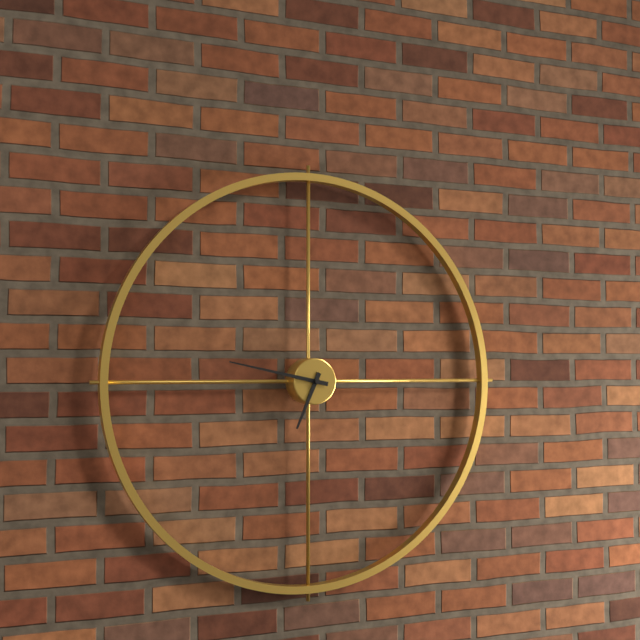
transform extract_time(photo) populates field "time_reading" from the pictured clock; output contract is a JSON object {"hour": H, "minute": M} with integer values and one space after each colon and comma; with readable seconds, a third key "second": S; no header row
{"hour": 6, "minute": 47}
